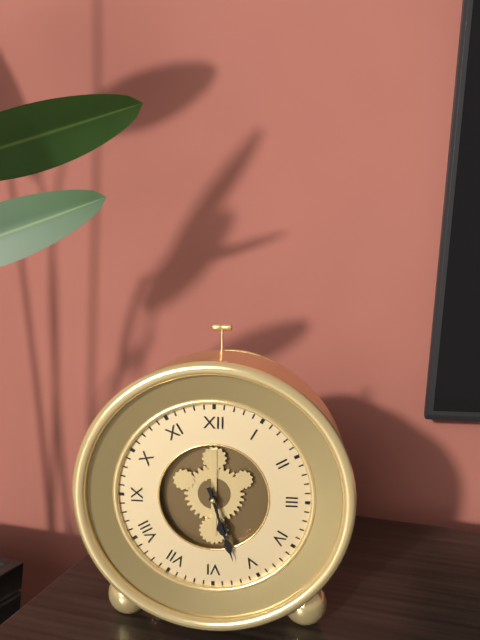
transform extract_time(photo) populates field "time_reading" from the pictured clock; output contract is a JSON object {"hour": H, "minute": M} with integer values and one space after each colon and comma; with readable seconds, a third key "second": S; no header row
{"hour": 5, "minute": 27}
